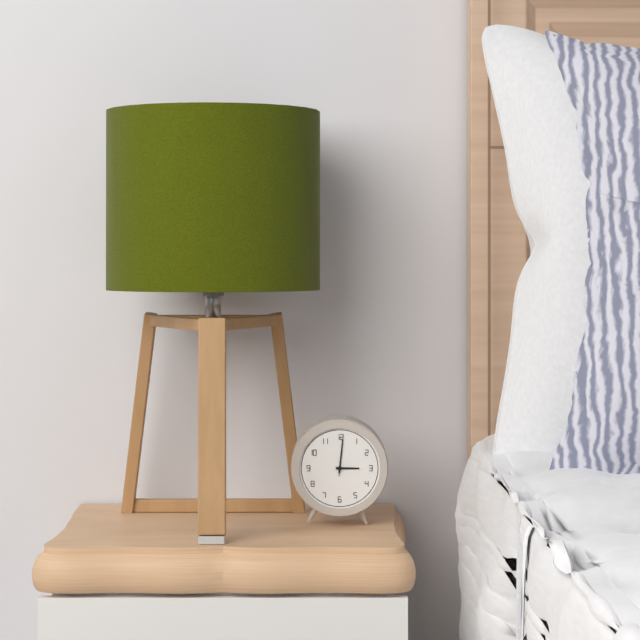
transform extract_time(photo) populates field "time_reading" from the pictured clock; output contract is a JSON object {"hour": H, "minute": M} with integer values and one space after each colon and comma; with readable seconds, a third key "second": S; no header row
{"hour": 3, "minute": 1}
